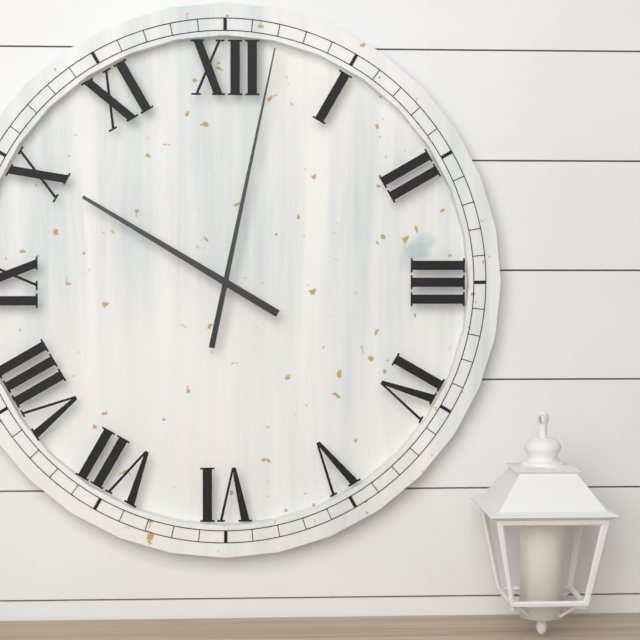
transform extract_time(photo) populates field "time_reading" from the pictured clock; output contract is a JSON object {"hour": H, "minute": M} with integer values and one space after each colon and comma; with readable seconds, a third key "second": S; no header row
{"hour": 10, "minute": 2}
